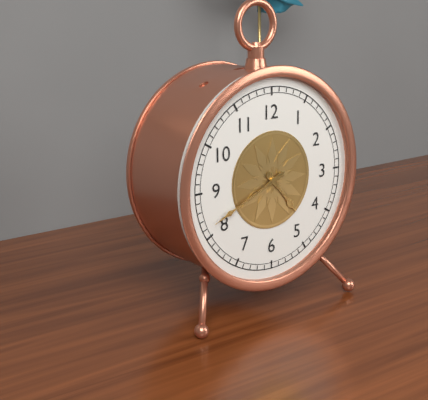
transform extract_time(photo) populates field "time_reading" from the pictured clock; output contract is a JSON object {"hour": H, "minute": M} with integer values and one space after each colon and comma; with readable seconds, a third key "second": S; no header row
{"hour": 4, "minute": 41}
